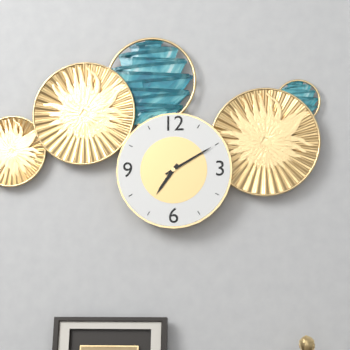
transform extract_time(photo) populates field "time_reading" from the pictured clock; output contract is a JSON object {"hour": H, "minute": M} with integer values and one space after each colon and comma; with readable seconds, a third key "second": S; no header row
{"hour": 7, "minute": 10}
